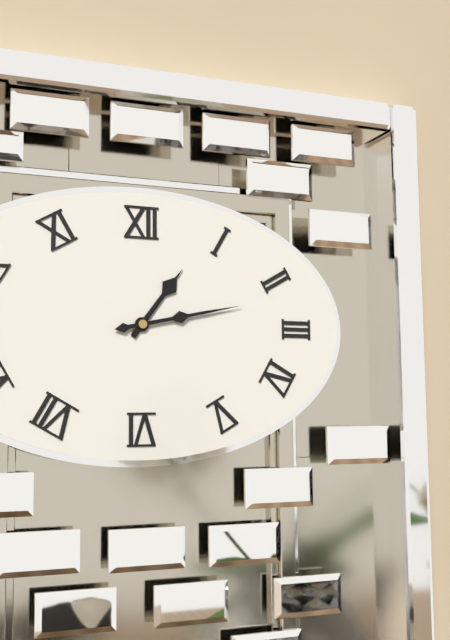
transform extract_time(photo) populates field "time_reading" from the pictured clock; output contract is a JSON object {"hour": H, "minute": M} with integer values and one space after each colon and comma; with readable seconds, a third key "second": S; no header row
{"hour": 1, "minute": 13}
